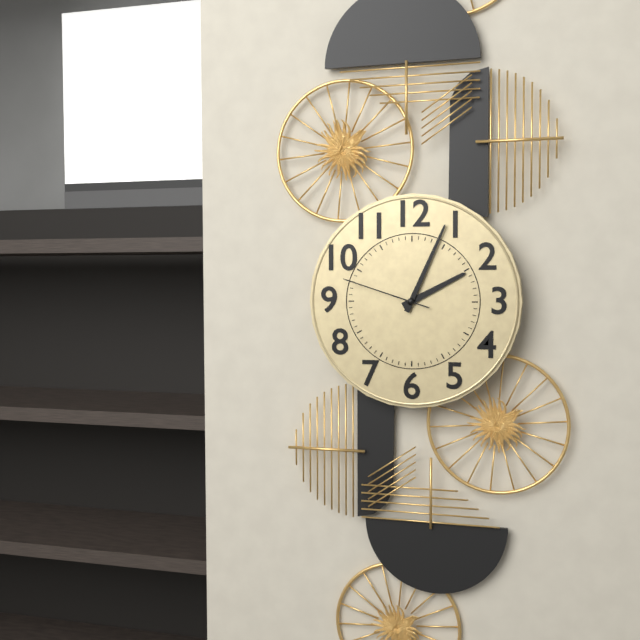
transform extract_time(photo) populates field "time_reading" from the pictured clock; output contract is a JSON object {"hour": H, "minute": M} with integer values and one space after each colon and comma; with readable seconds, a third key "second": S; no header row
{"hour": 2, "minute": 4, "second": 48}
